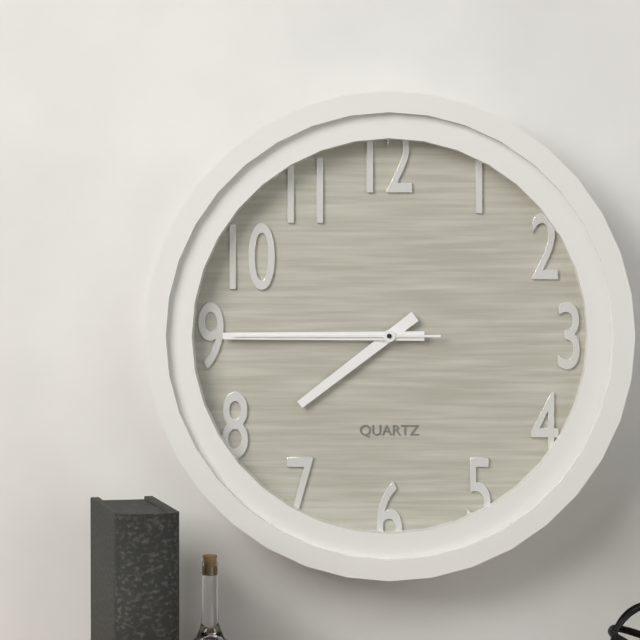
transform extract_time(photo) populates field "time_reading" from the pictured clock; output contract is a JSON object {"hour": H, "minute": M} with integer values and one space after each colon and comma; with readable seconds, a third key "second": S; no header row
{"hour": 7, "minute": 45, "second": 45}
